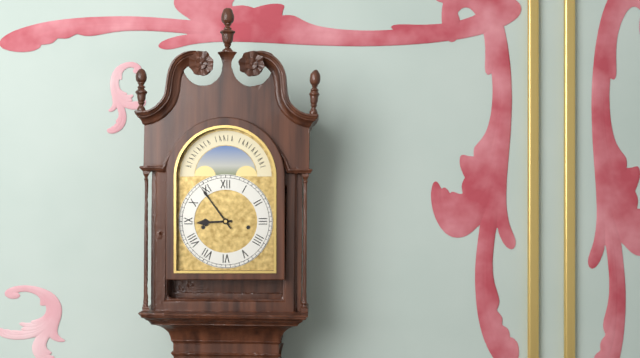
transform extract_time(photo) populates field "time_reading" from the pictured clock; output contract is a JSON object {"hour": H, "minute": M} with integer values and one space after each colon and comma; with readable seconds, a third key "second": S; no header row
{"hour": 8, "minute": 54}
